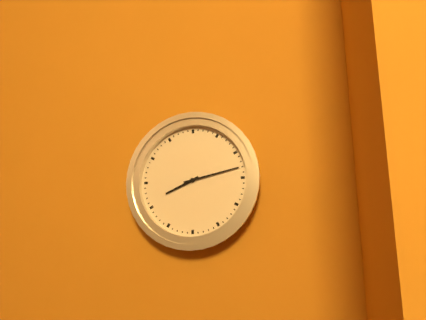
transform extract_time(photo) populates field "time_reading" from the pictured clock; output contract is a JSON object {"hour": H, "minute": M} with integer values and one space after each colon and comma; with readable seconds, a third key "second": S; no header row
{"hour": 8, "minute": 13}
